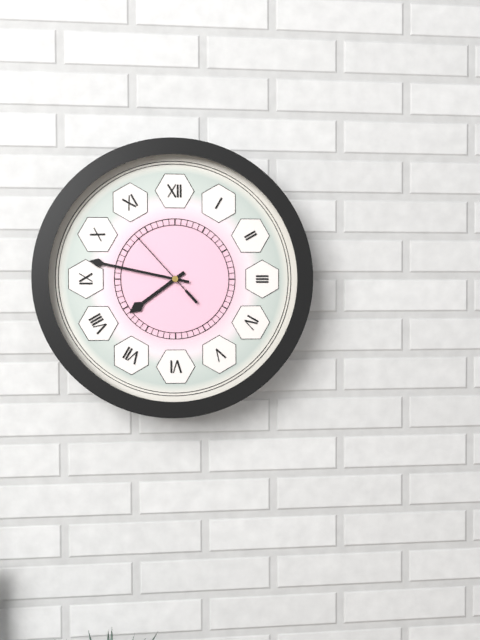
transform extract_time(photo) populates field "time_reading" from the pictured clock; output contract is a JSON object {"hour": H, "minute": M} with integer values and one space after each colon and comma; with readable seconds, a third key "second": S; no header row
{"hour": 7, "minute": 47, "second": 53}
